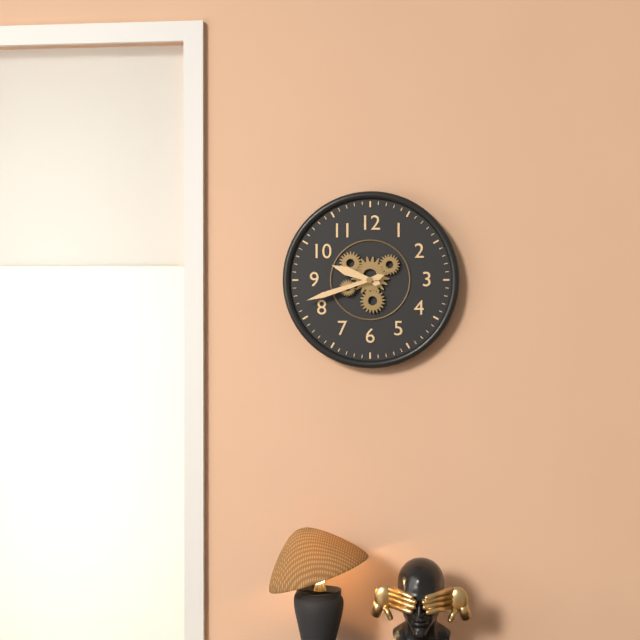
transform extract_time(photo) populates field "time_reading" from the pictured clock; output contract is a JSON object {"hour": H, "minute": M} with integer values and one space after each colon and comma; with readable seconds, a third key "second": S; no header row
{"hour": 9, "minute": 42}
